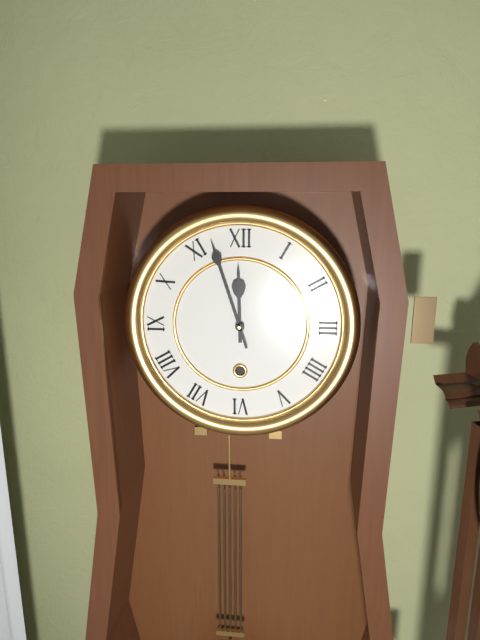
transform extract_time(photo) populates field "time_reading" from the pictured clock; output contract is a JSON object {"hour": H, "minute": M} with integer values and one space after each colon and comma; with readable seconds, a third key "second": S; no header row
{"hour": 11, "minute": 57}
